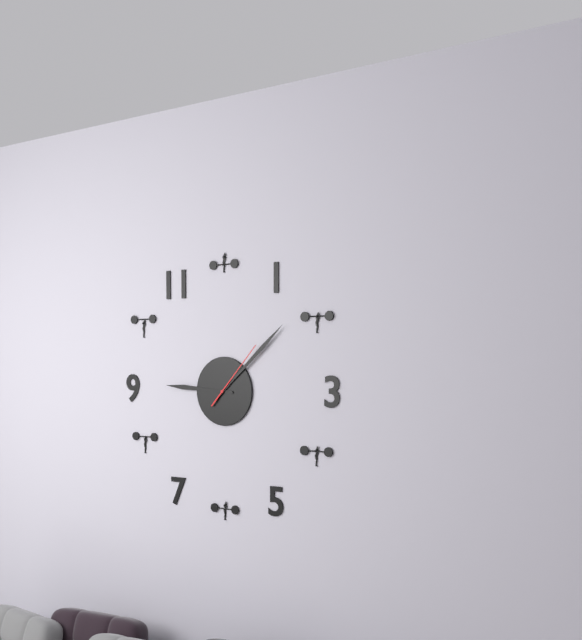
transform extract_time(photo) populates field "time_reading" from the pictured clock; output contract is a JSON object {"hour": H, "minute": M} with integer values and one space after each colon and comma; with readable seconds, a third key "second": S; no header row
{"hour": 9, "minute": 8, "second": 7}
